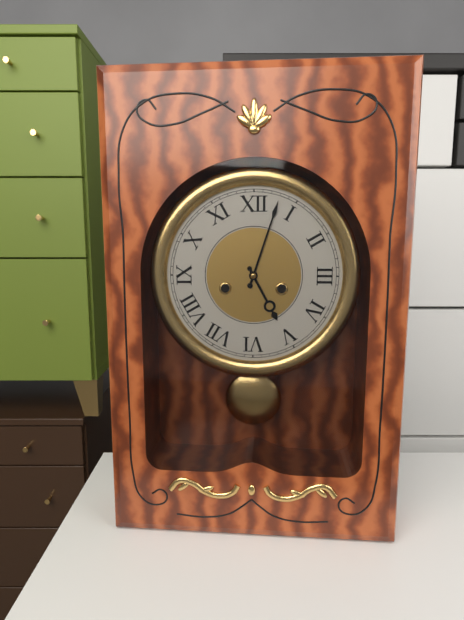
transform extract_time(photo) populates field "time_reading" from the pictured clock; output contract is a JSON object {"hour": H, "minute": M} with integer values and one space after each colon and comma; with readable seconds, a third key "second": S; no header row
{"hour": 5, "minute": 3}
